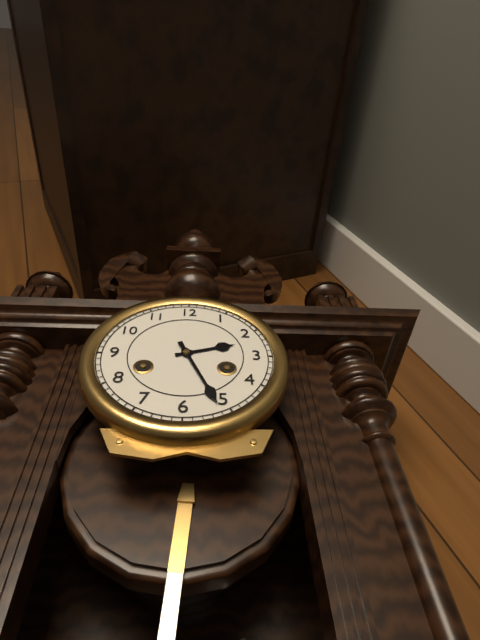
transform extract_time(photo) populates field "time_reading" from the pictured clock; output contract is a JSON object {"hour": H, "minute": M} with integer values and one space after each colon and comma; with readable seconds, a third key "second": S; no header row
{"hour": 2, "minute": 26}
